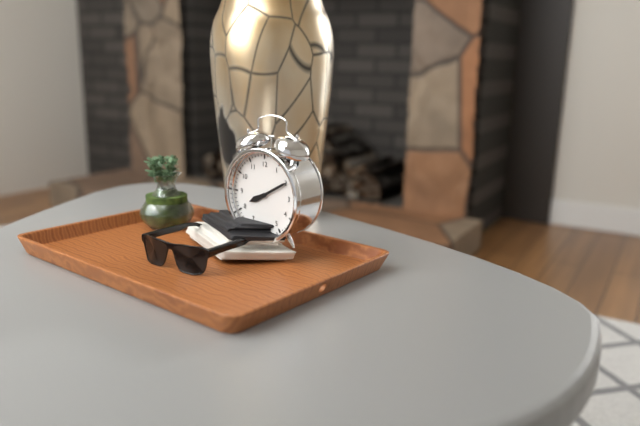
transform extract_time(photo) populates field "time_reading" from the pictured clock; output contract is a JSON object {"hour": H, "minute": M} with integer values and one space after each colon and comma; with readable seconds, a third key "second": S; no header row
{"hour": 8, "minute": 10}
